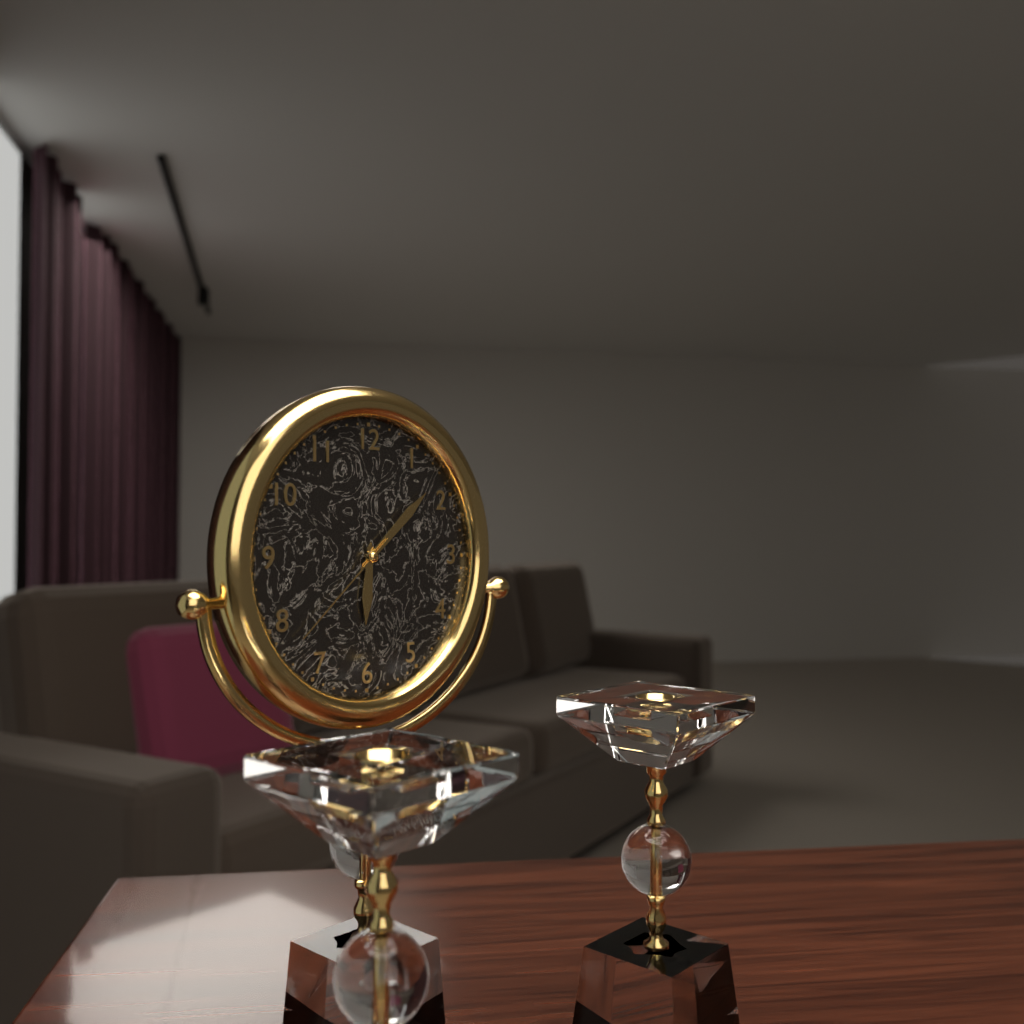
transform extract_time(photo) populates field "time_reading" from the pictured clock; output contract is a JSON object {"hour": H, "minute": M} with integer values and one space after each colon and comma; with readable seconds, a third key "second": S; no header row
{"hour": 6, "minute": 8, "second": 38}
